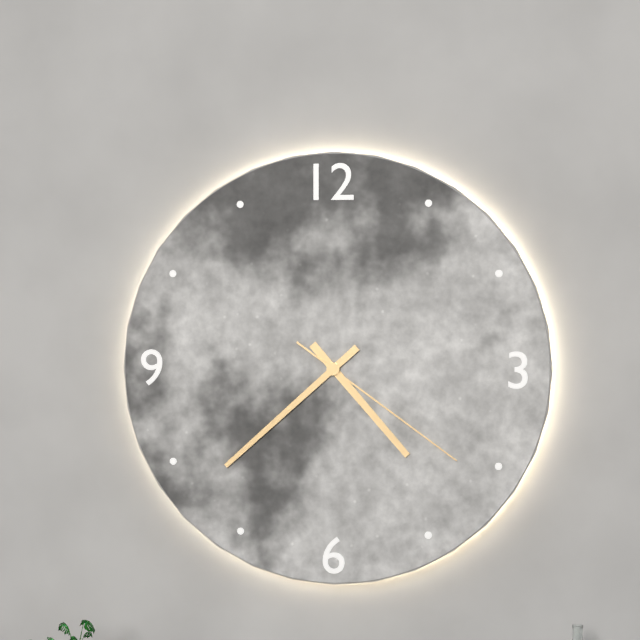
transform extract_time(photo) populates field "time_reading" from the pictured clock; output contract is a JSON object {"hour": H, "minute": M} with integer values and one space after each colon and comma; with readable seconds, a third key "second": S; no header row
{"hour": 4, "minute": 38, "second": 21}
